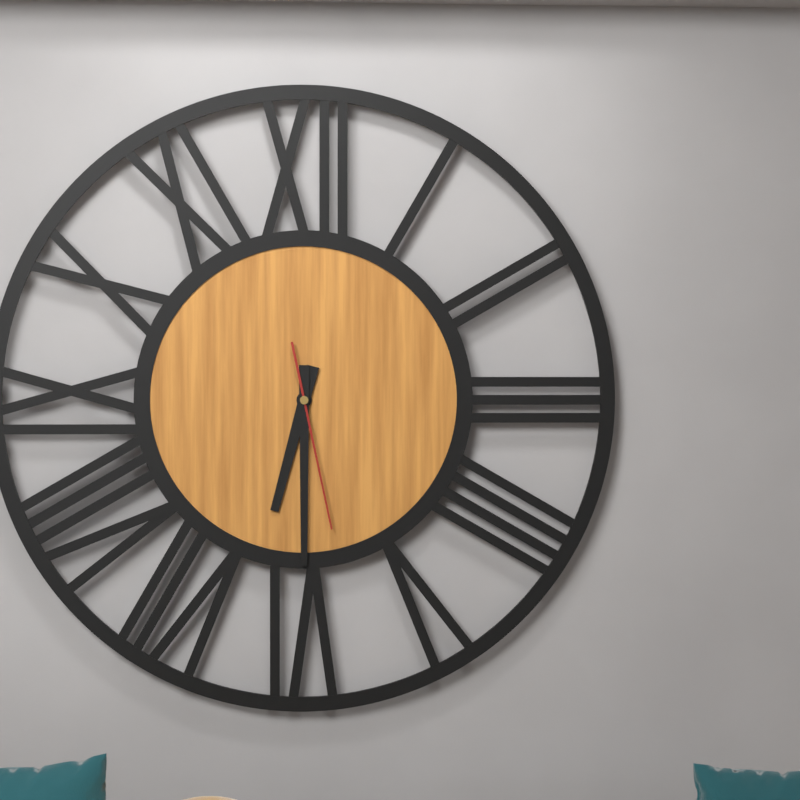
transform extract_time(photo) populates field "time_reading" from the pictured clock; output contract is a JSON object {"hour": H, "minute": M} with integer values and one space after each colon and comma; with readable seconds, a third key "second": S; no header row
{"hour": 6, "minute": 30, "second": 28}
